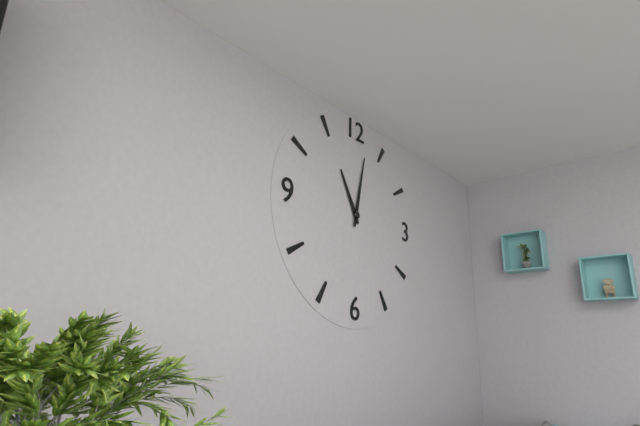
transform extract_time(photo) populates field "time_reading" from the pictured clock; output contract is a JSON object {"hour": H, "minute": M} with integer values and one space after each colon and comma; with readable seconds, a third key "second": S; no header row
{"hour": 11, "minute": 2}
